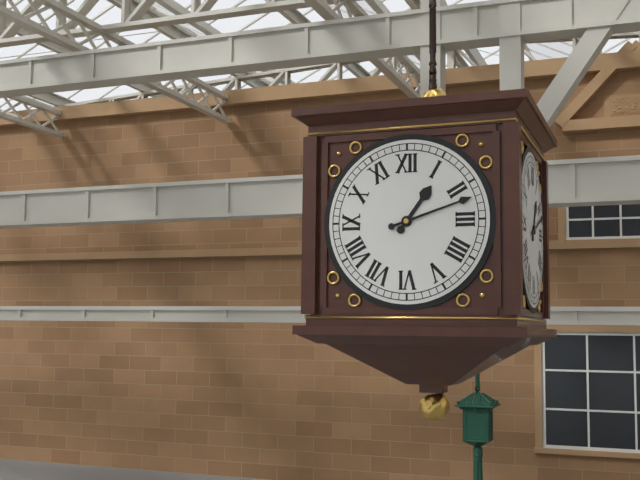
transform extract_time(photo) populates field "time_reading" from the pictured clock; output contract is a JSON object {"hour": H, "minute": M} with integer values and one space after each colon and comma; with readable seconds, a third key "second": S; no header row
{"hour": 1, "minute": 12}
